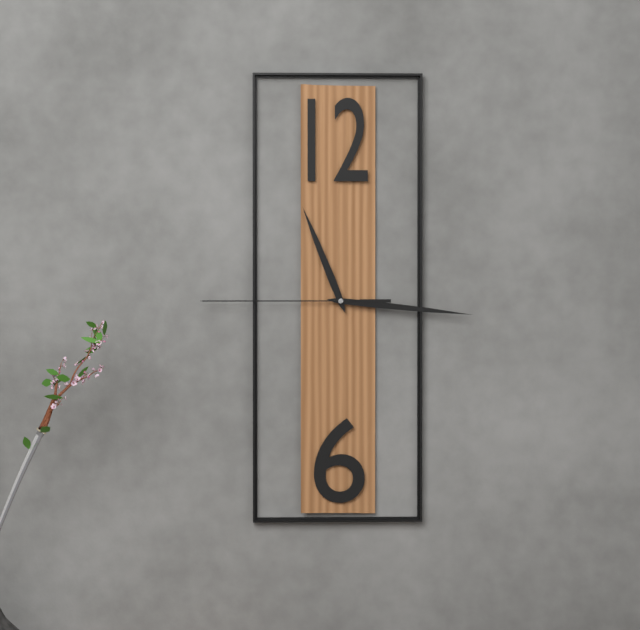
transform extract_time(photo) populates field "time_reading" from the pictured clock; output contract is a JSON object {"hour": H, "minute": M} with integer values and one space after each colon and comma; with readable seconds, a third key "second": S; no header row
{"hour": 11, "minute": 16, "second": 45}
